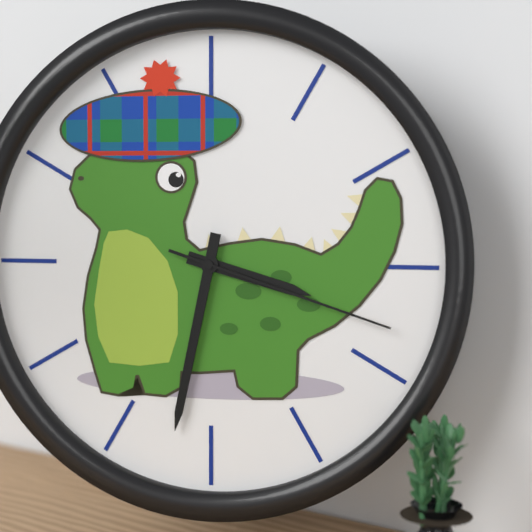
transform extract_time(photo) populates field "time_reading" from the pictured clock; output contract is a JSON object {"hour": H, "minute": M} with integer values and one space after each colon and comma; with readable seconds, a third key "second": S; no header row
{"hour": 3, "minute": 32, "second": 18}
